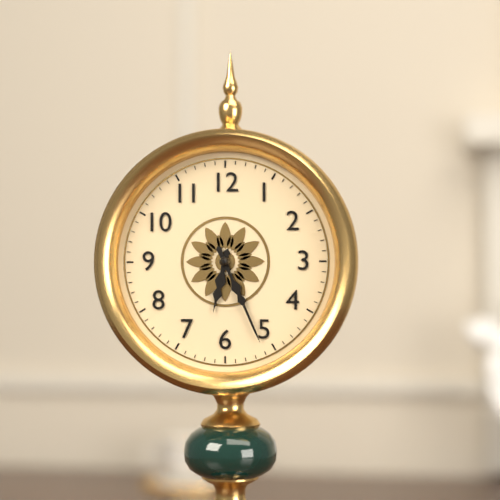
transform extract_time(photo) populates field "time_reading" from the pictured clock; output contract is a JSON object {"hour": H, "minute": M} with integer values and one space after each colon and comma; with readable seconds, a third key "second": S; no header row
{"hour": 6, "minute": 26}
